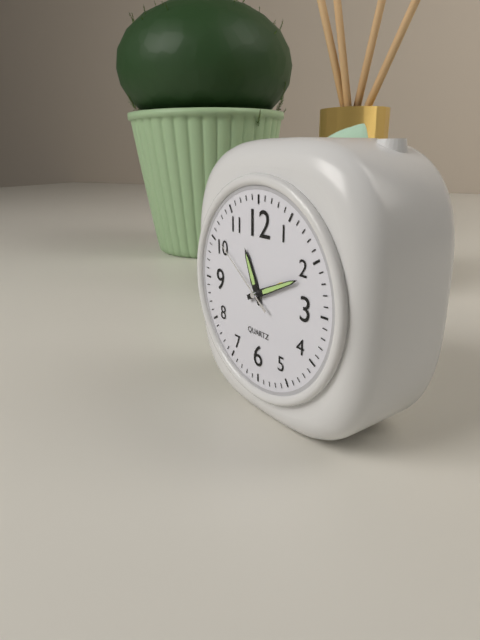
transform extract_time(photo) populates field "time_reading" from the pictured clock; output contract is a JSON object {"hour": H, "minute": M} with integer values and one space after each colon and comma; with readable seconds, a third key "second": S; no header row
{"hour": 11, "minute": 11, "second": 51}
